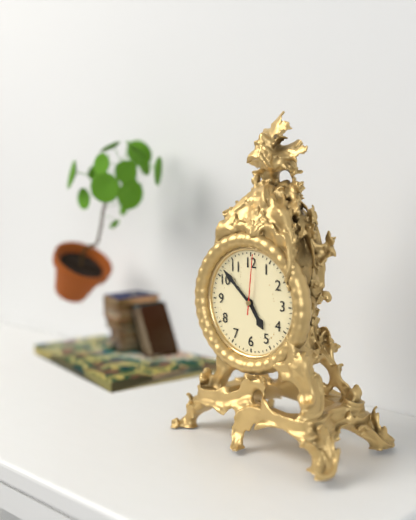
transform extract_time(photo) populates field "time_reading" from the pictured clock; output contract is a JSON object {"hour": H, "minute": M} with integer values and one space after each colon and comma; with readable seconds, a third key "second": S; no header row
{"hour": 4, "minute": 52, "second": 1}
